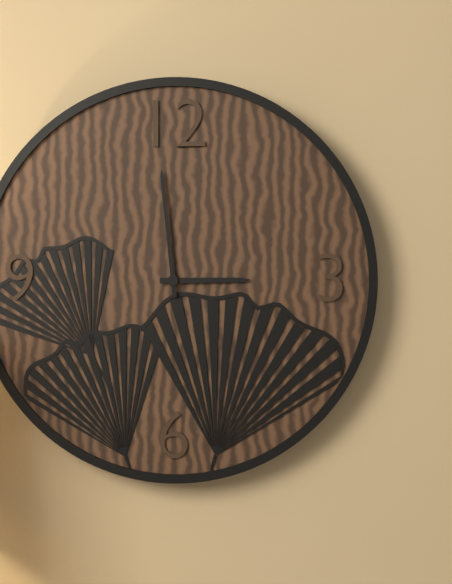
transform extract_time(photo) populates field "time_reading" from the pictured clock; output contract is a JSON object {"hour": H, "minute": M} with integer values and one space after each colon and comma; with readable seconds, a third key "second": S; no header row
{"hour": 2, "minute": 59}
